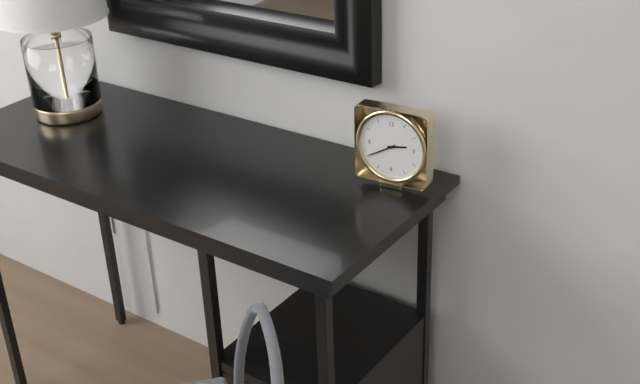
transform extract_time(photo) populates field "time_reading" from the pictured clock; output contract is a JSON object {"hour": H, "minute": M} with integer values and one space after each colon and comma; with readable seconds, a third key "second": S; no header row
{"hour": 2, "minute": 40}
